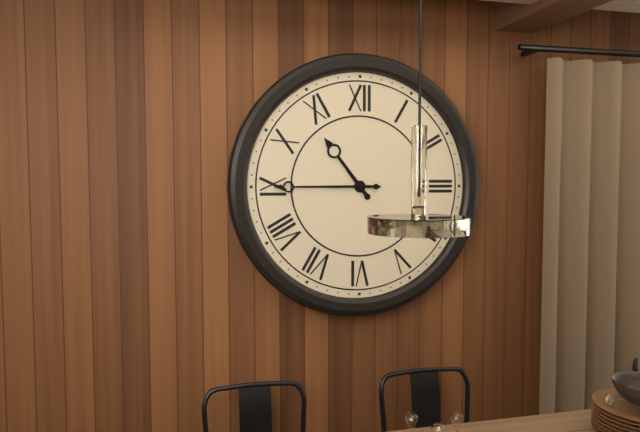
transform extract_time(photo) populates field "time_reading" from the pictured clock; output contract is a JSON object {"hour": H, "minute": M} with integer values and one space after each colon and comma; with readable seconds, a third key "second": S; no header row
{"hour": 10, "minute": 45}
